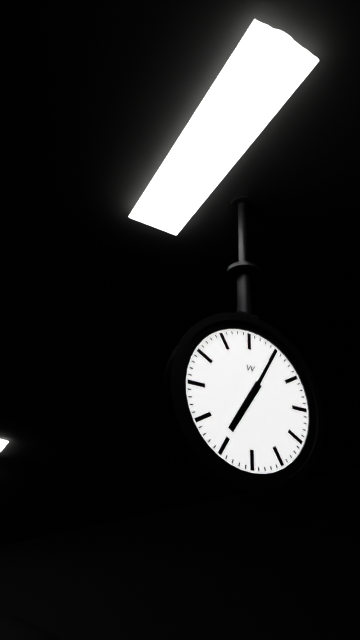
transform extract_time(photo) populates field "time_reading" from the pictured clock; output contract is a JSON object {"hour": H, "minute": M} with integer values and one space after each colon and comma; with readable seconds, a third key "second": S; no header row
{"hour": 7, "minute": 5}
